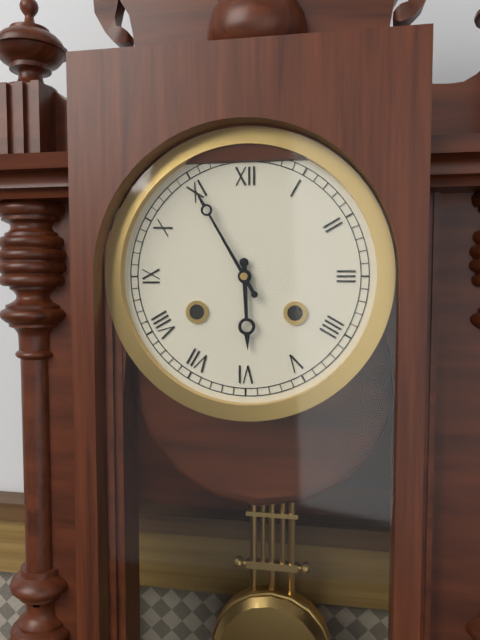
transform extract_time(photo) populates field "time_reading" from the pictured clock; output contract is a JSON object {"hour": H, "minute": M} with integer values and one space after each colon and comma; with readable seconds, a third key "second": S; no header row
{"hour": 5, "minute": 55}
